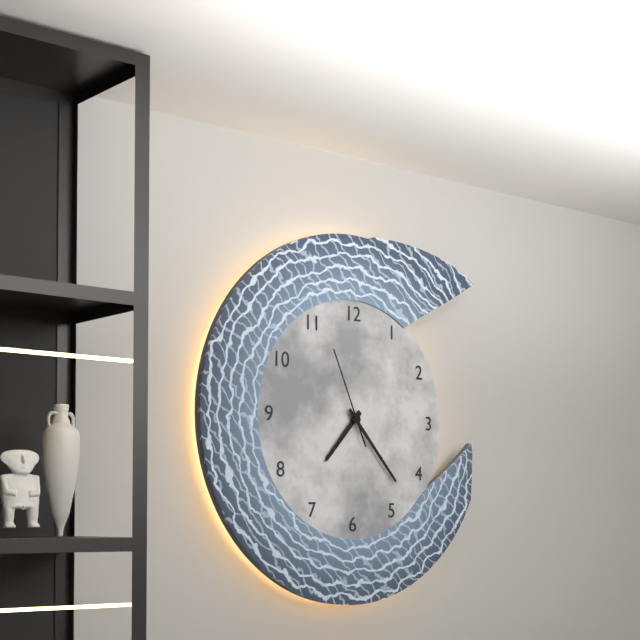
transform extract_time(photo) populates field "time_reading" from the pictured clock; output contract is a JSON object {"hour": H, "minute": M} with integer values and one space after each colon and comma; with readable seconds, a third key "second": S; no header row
{"hour": 7, "minute": 23, "second": 56}
